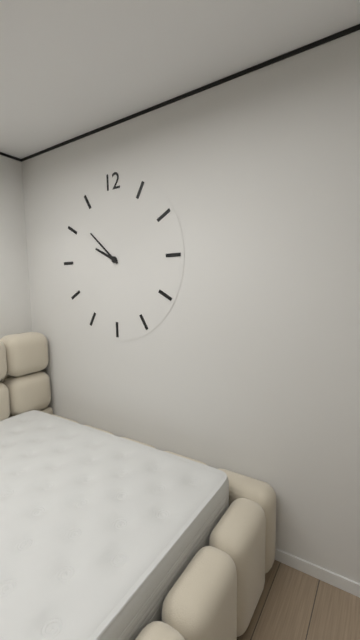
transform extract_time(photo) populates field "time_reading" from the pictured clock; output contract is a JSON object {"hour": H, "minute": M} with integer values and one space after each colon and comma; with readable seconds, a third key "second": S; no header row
{"hour": 9, "minute": 52}
